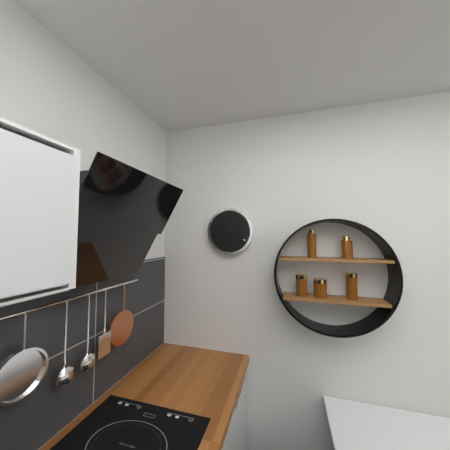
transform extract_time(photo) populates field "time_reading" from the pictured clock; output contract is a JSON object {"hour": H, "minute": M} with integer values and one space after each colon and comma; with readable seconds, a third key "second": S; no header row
{"hour": 4, "minute": 10}
